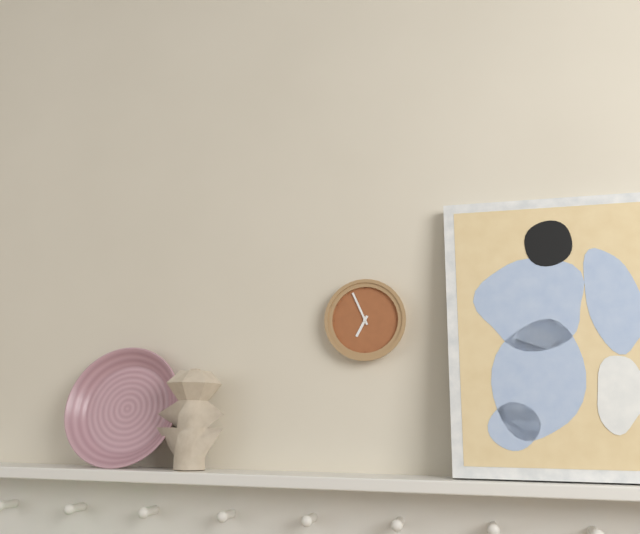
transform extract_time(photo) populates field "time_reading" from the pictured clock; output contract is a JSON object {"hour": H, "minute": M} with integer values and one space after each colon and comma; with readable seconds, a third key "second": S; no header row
{"hour": 6, "minute": 56}
